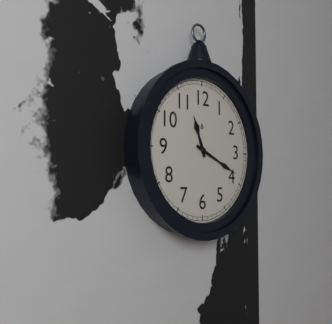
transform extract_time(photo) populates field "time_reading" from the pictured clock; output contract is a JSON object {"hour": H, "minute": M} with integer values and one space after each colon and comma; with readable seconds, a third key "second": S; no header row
{"hour": 11, "minute": 19}
